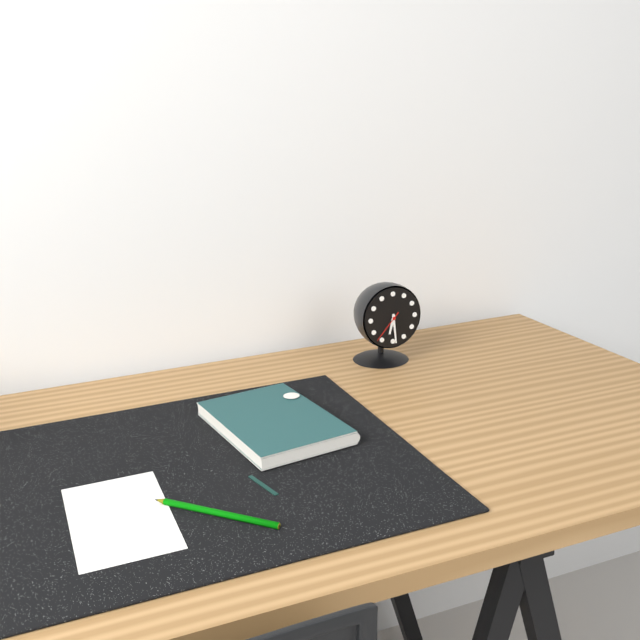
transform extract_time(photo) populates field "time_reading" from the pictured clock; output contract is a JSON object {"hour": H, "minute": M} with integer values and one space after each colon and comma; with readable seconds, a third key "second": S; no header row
{"hour": 6, "minute": 29}
